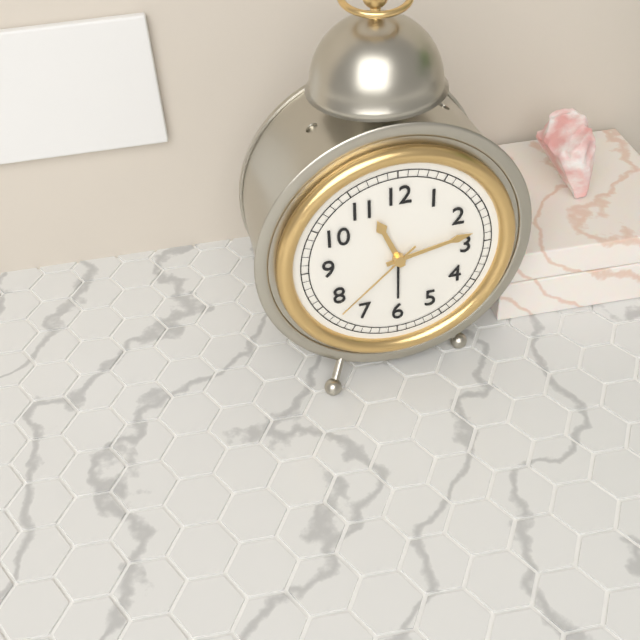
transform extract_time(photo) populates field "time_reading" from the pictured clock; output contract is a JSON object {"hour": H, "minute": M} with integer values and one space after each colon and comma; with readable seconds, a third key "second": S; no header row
{"hour": 11, "minute": 13, "second": 38}
